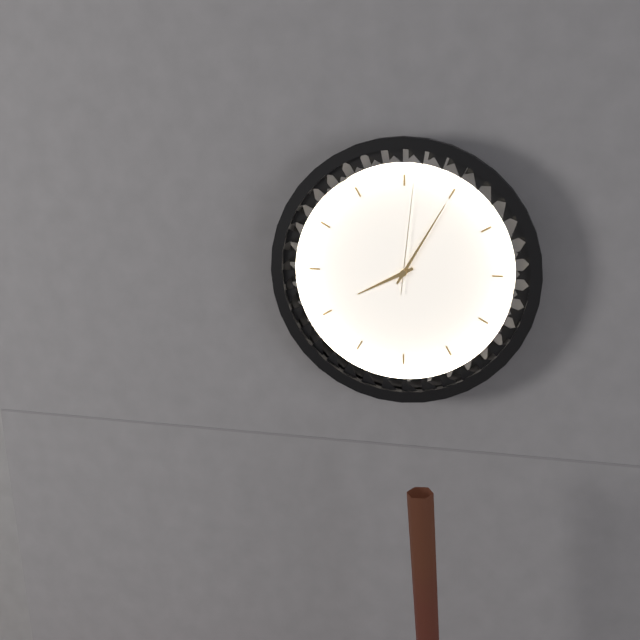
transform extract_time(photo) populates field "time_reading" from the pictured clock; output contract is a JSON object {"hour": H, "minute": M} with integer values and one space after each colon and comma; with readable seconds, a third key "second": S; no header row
{"hour": 8, "minute": 5, "second": 1}
